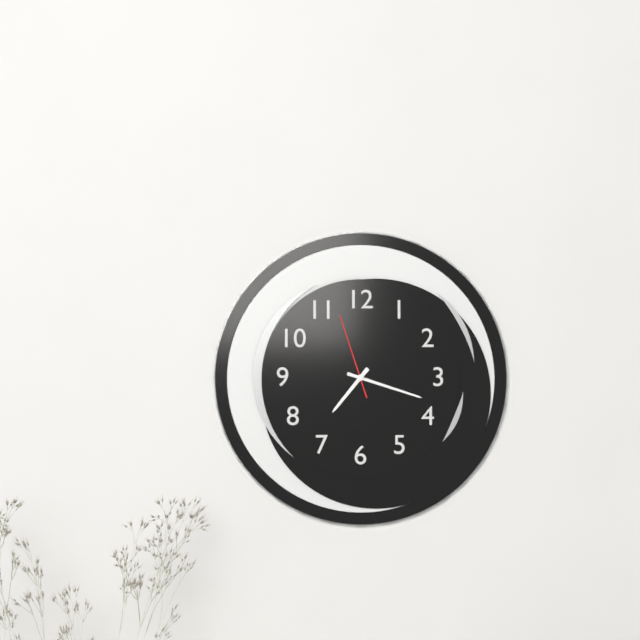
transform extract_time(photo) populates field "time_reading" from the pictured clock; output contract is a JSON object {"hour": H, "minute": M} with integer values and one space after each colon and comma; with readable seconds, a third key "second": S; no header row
{"hour": 7, "minute": 18, "second": 57}
